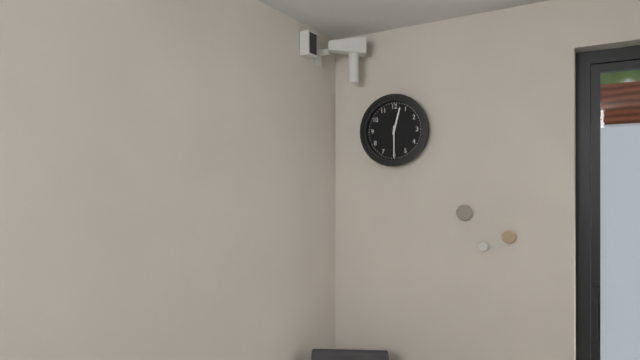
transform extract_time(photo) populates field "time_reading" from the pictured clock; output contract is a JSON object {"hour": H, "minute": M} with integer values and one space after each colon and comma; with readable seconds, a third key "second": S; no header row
{"hour": 12, "minute": 30}
